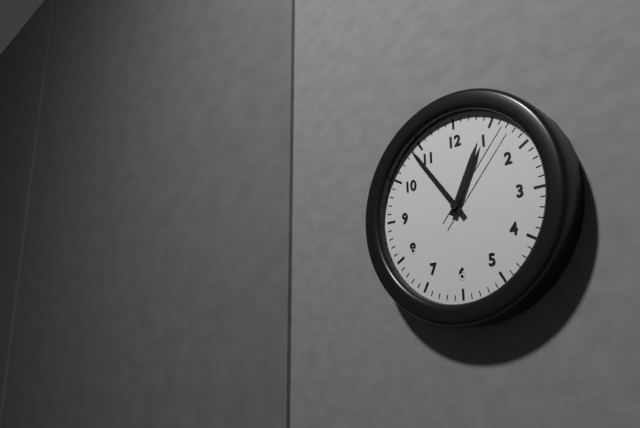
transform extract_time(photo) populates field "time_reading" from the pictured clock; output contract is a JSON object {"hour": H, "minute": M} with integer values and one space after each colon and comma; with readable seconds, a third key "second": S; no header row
{"hour": 12, "minute": 54, "second": 7}
